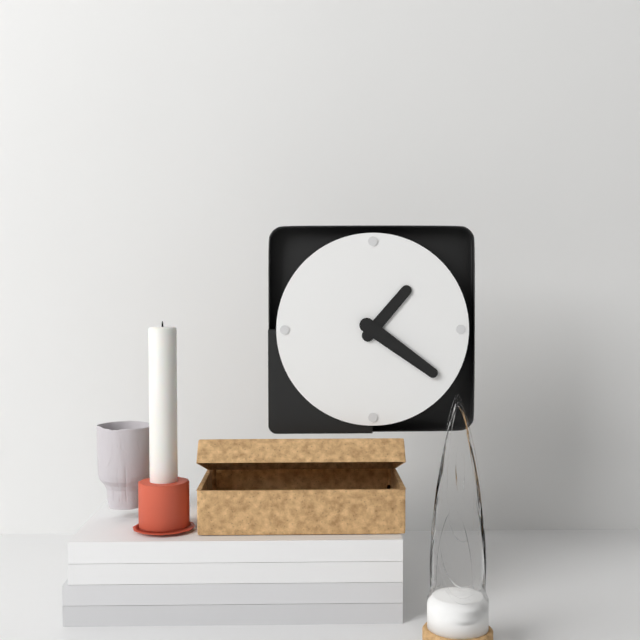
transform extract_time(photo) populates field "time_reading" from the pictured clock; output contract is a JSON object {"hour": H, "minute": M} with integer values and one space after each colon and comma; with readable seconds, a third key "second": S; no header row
{"hour": 1, "minute": 21}
